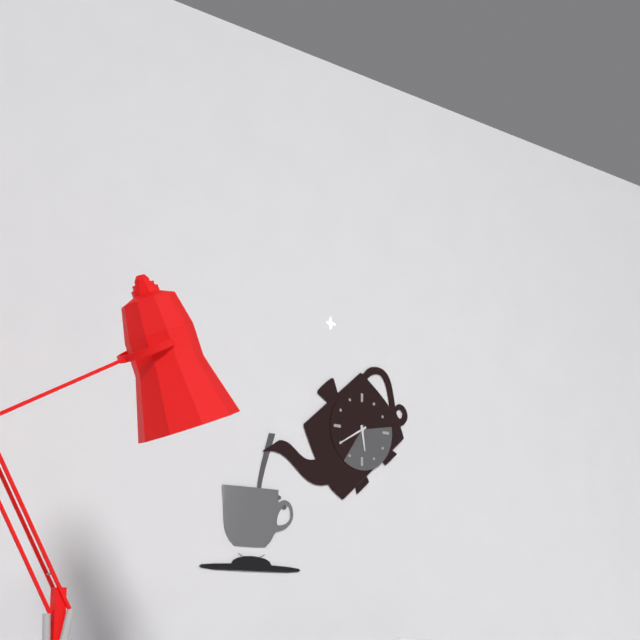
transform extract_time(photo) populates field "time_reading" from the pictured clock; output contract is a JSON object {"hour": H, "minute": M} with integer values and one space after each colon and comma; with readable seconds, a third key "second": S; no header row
{"hour": 5, "minute": 40}
